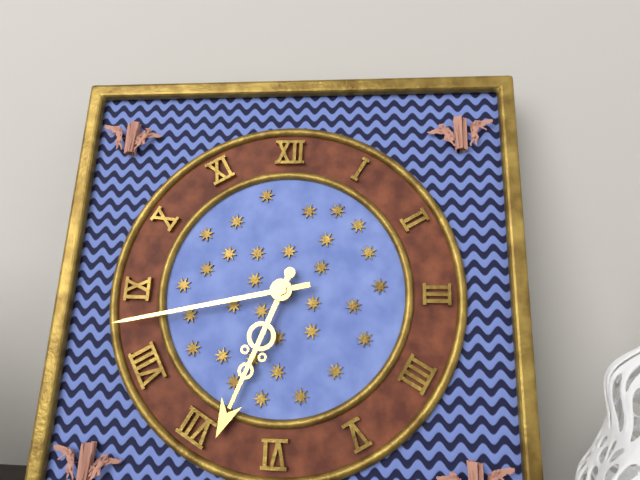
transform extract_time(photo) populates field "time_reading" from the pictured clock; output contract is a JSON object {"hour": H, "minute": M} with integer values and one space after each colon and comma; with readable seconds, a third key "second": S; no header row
{"hour": 6, "minute": 43}
